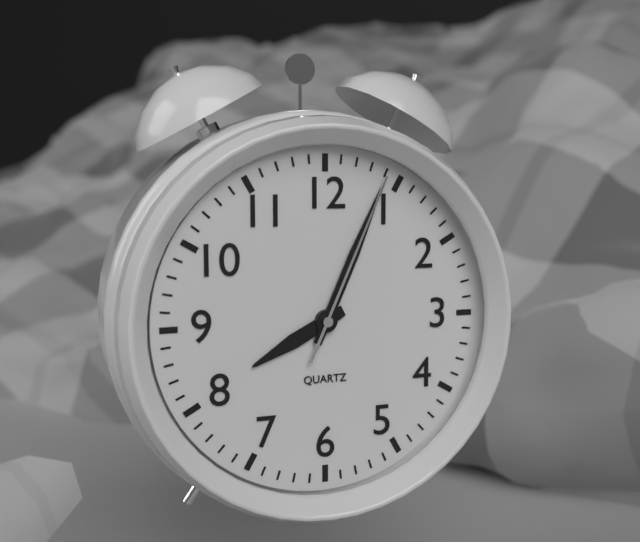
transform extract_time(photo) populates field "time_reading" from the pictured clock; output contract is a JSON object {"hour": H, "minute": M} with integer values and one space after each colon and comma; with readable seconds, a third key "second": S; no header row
{"hour": 8, "minute": 4, "second": 4}
